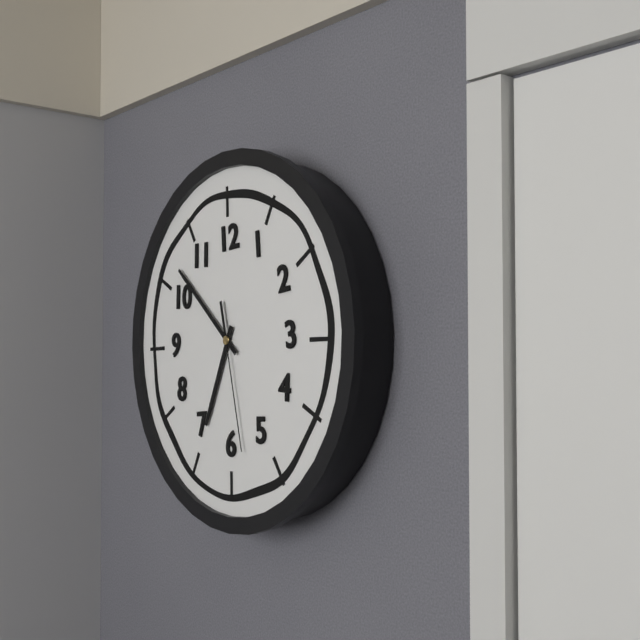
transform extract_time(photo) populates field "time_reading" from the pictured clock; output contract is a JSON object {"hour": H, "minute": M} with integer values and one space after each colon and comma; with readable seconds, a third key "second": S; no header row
{"hour": 6, "minute": 52, "second": 28}
